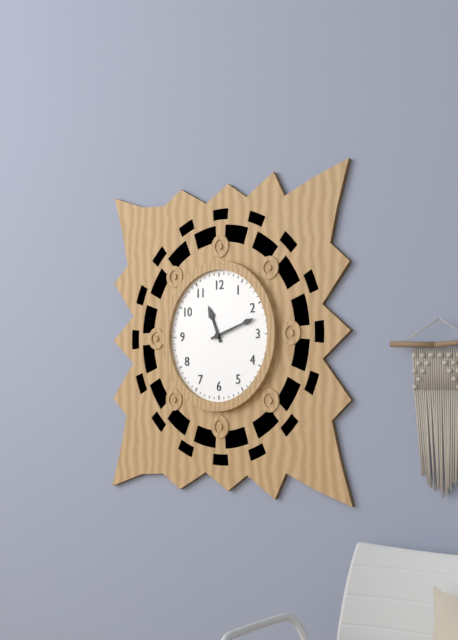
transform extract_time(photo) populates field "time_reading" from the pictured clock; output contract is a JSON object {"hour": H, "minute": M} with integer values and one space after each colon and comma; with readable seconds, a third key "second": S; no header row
{"hour": 11, "minute": 12}
